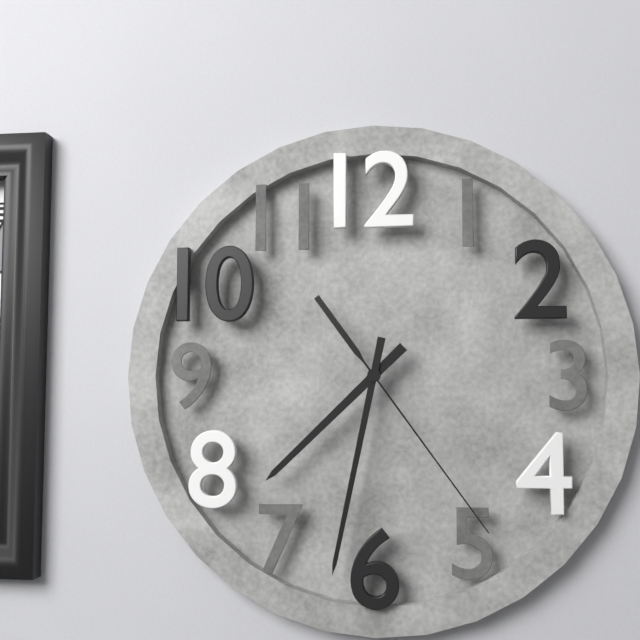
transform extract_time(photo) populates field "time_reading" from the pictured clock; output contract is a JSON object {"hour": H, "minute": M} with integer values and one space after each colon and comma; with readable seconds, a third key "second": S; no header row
{"hour": 7, "minute": 32, "second": 24}
